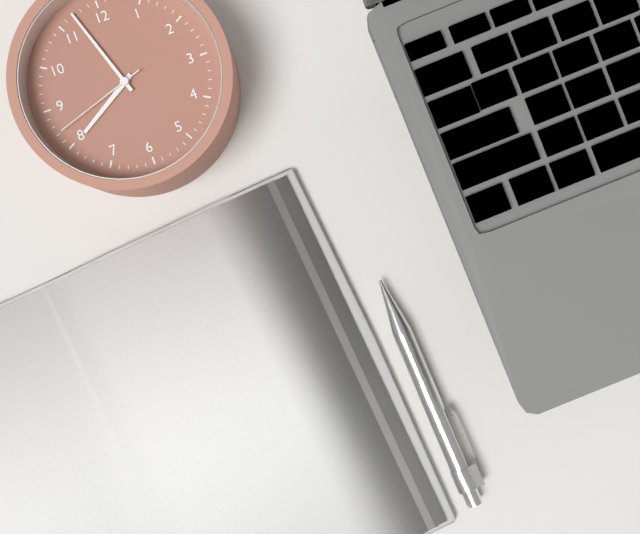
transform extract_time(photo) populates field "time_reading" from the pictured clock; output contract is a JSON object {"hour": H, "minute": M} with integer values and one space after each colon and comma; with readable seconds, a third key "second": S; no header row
{"hour": 7, "minute": 57, "second": 42}
